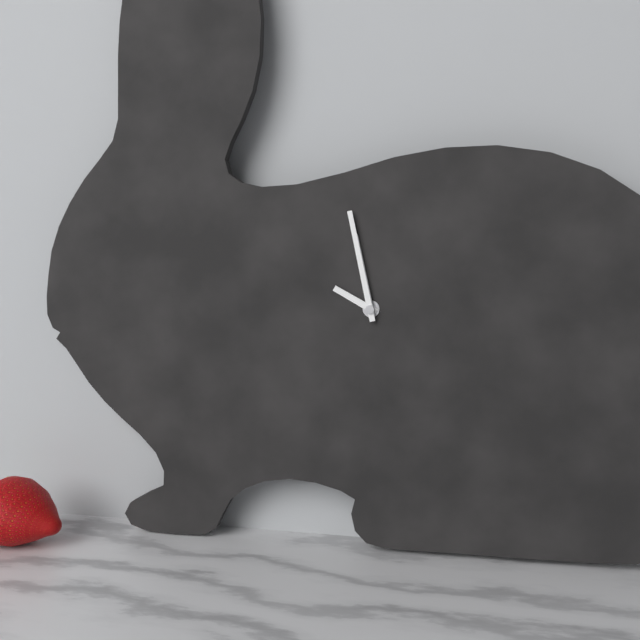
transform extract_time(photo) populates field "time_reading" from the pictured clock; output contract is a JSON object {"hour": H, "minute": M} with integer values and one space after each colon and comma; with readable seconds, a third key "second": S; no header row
{"hour": 9, "minute": 58, "second": 58}
